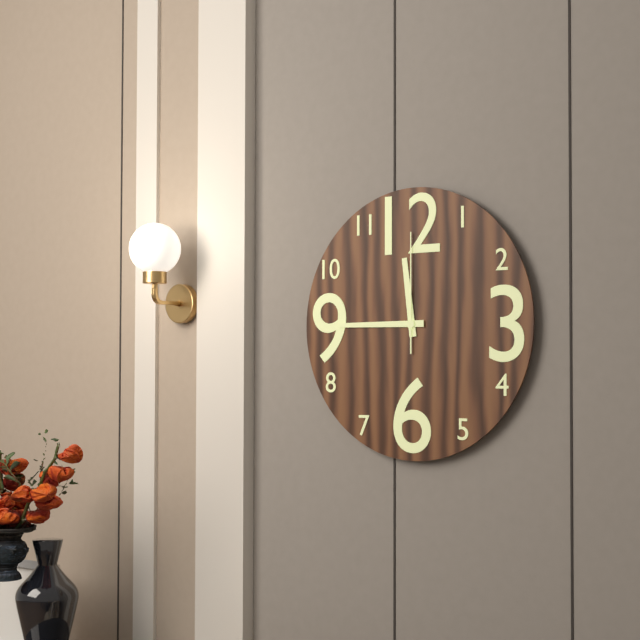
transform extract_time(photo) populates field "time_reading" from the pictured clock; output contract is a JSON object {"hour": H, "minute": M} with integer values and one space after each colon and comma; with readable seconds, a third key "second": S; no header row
{"hour": 11, "minute": 45, "second": 0}
